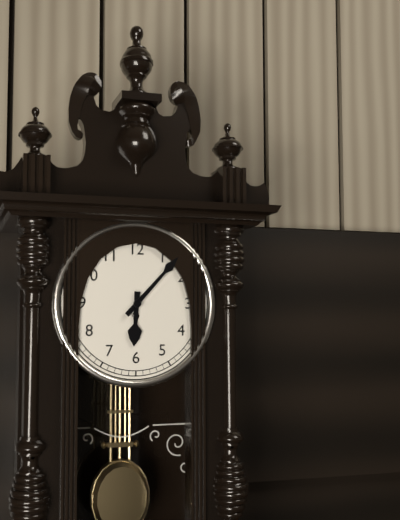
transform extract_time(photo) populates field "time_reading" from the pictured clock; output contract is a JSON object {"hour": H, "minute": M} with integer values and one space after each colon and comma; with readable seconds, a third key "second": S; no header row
{"hour": 6, "minute": 7}
